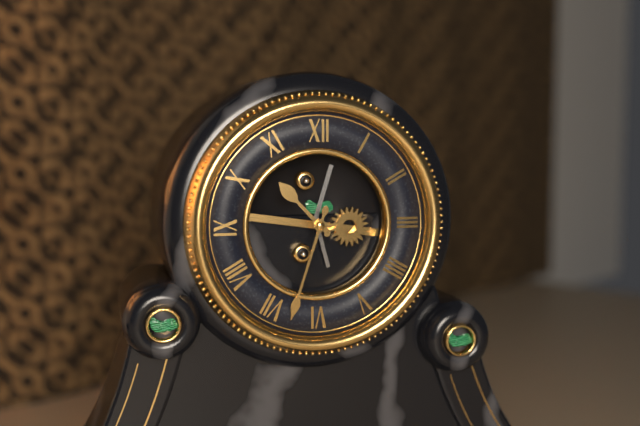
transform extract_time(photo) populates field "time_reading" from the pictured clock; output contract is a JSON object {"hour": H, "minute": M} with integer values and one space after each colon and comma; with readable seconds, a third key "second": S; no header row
{"hour": 10, "minute": 33}
